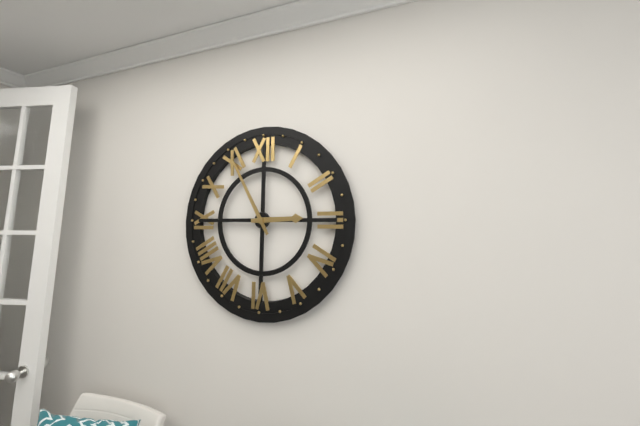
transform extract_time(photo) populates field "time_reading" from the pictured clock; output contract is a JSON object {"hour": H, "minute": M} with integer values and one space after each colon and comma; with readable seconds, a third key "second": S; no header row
{"hour": 2, "minute": 55}
